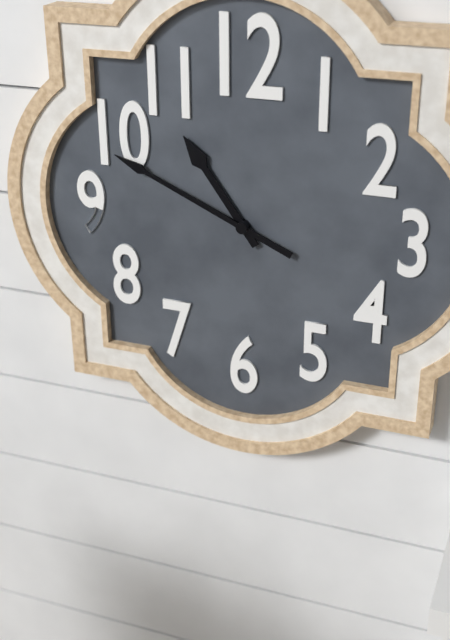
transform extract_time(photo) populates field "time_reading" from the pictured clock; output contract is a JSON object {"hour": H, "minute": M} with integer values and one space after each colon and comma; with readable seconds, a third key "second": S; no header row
{"hour": 10, "minute": 49}
